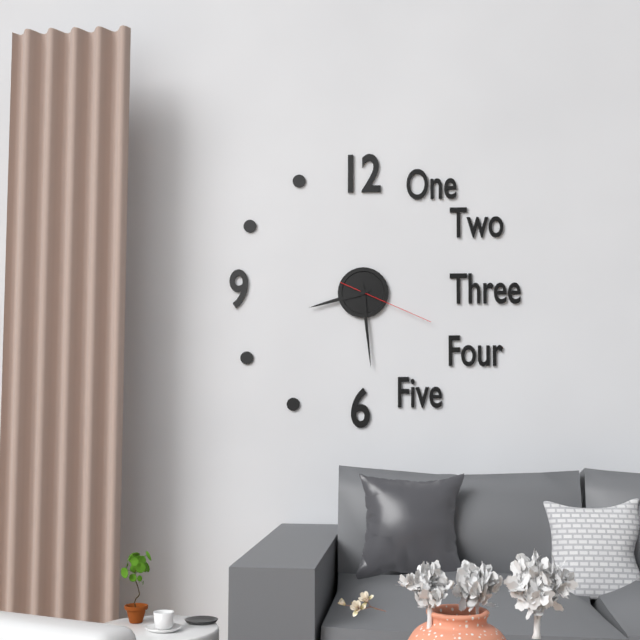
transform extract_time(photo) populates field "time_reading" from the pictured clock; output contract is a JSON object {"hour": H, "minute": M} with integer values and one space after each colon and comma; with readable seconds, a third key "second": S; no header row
{"hour": 8, "minute": 29, "second": 19}
